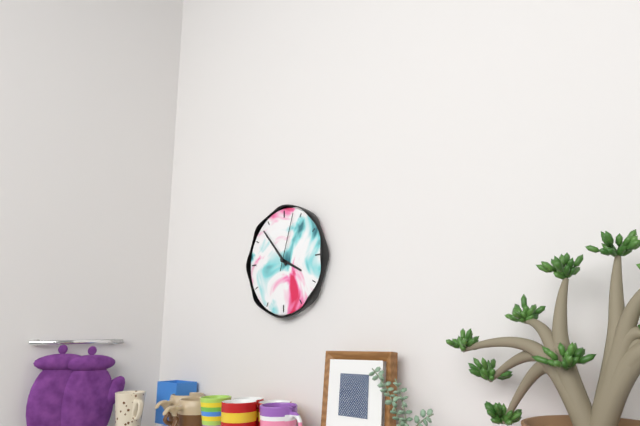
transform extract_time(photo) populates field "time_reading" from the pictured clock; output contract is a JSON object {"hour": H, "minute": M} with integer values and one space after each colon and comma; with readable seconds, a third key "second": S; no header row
{"hour": 3, "minute": 53, "second": 3}
